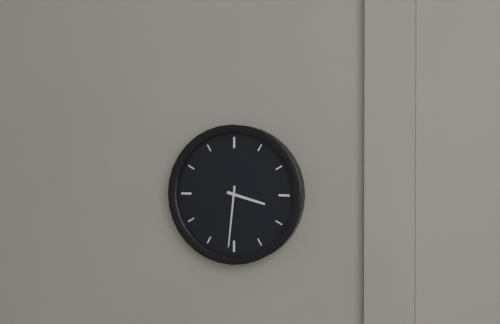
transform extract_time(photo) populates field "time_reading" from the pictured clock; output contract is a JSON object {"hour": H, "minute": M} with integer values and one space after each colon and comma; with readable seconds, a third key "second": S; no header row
{"hour": 3, "minute": 31}
